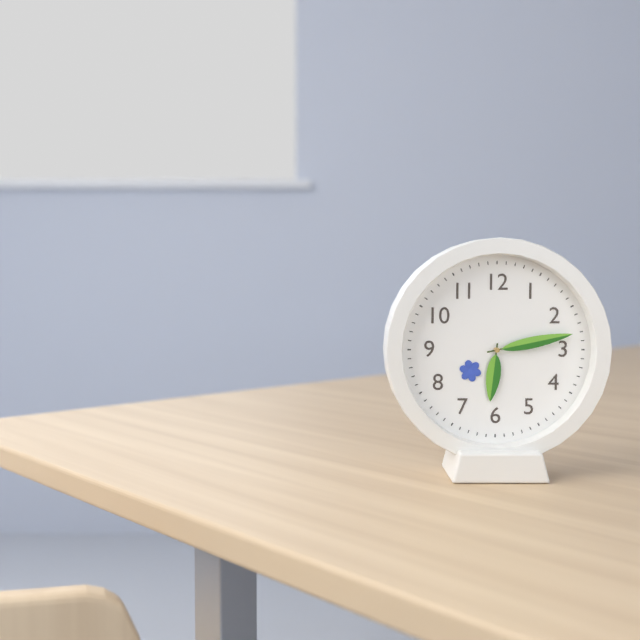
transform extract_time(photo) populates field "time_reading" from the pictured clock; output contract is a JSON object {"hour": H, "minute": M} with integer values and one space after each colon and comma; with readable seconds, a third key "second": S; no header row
{"hour": 6, "minute": 13}
